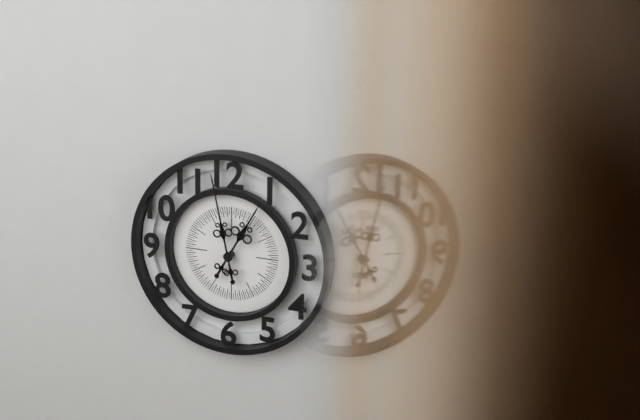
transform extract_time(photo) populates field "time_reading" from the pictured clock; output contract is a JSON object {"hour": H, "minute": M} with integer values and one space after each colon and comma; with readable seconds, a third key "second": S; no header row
{"hour": 12, "minute": 58}
